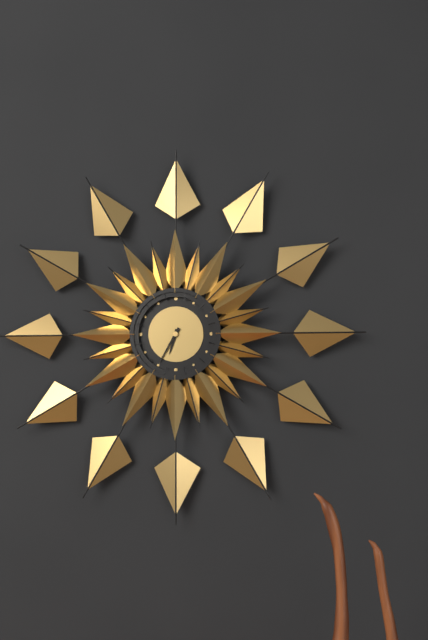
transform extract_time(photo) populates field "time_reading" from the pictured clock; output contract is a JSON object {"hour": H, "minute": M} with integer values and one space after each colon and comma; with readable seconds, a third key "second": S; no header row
{"hour": 6, "minute": 35}
